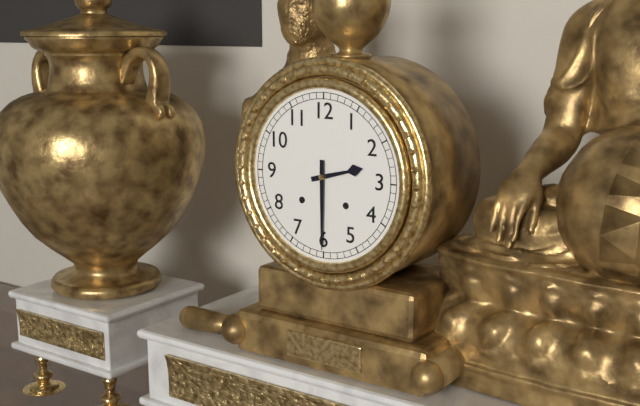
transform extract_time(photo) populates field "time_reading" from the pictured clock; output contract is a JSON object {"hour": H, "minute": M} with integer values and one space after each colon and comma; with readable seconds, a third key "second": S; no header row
{"hour": 2, "minute": 30}
